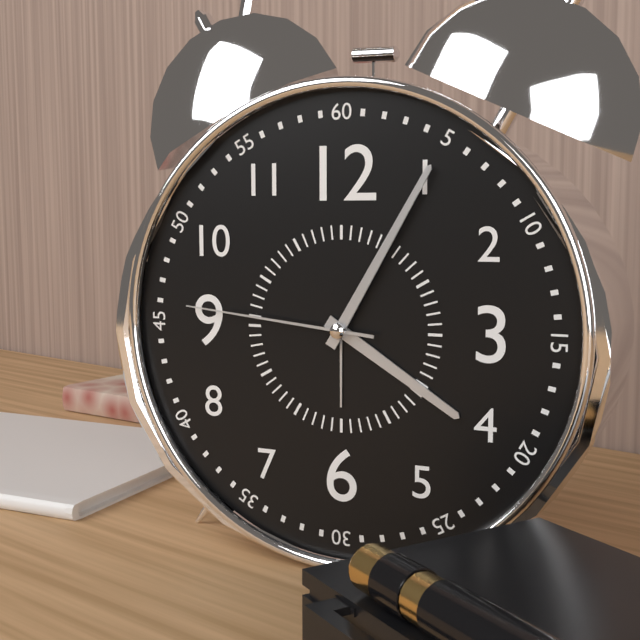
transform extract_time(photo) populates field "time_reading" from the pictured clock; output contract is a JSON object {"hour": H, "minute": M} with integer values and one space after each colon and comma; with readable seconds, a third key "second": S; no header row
{"hour": 4, "minute": 5, "second": 46}
